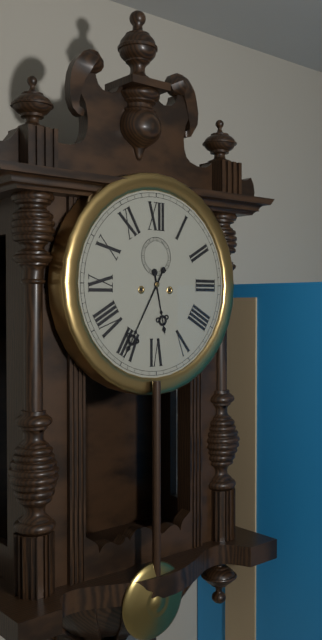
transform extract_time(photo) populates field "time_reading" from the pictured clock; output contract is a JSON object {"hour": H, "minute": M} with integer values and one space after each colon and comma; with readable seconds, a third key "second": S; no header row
{"hour": 5, "minute": 35}
